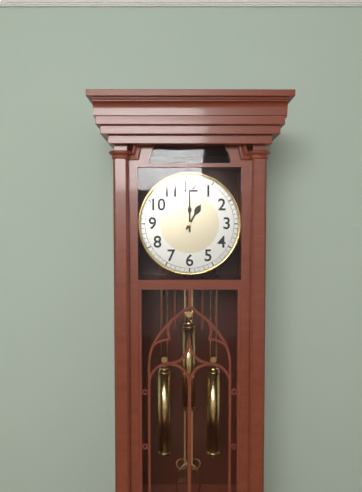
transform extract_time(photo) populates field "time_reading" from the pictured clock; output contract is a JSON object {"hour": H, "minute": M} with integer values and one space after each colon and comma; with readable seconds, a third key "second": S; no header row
{"hour": 1, "minute": 0}
